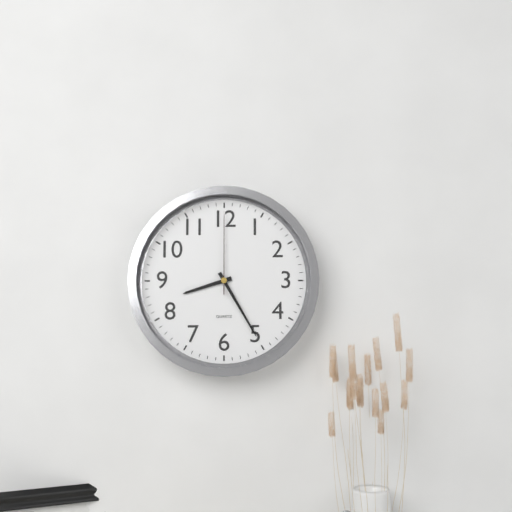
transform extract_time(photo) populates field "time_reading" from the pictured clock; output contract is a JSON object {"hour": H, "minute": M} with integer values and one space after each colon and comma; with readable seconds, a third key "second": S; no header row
{"hour": 8, "minute": 25, "second": 0}
